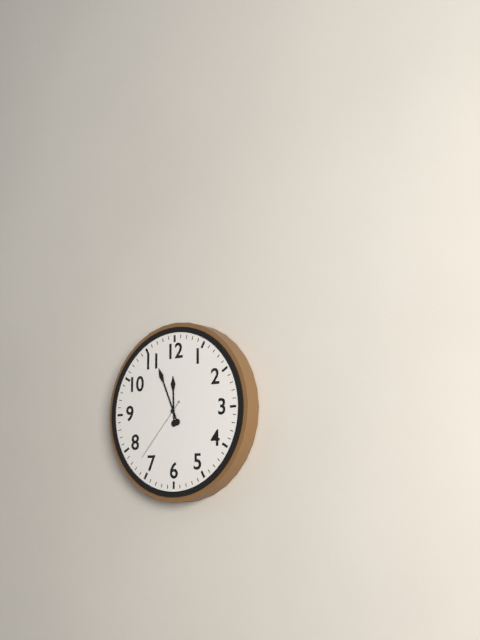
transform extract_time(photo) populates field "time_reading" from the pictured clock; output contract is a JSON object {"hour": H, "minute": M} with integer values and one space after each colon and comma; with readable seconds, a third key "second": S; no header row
{"hour": 11, "minute": 56, "second": 37}
